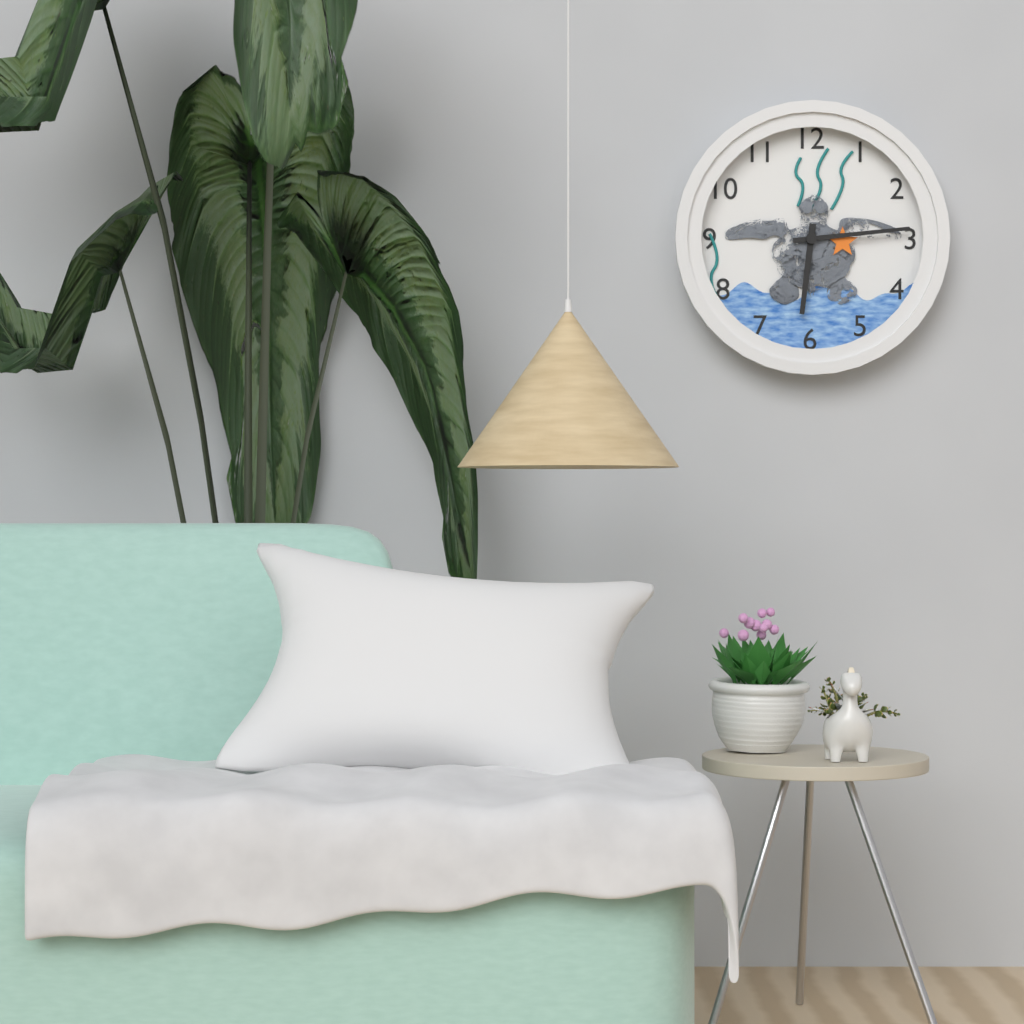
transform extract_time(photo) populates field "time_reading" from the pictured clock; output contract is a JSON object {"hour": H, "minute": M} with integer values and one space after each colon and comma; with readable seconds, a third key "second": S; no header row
{"hour": 6, "minute": 14}
